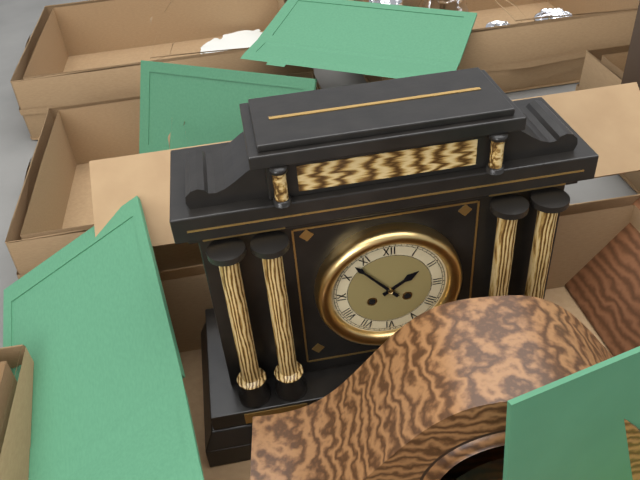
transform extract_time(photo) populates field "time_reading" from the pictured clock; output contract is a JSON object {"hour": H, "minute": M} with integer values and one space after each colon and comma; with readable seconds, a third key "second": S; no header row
{"hour": 1, "minute": 53}
